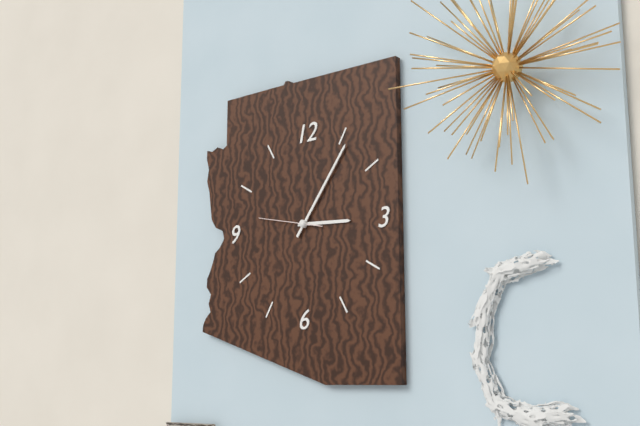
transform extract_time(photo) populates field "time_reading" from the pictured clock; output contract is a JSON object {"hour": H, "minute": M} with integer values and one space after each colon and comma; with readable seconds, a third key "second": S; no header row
{"hour": 3, "minute": 6, "second": 47}
